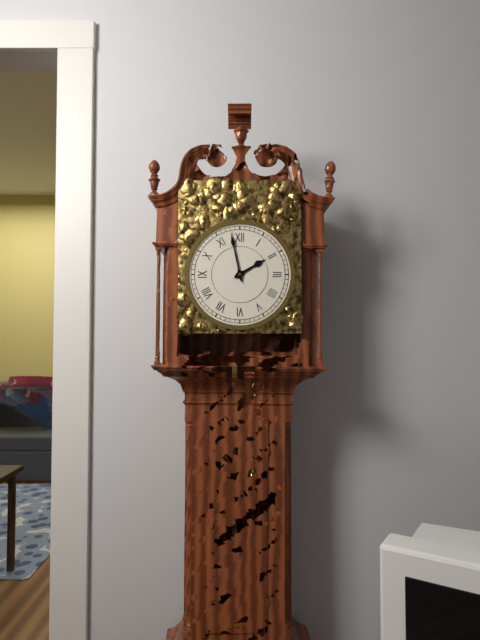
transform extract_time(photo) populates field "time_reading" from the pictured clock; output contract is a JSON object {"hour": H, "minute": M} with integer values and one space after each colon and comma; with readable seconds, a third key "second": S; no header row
{"hour": 1, "minute": 58}
